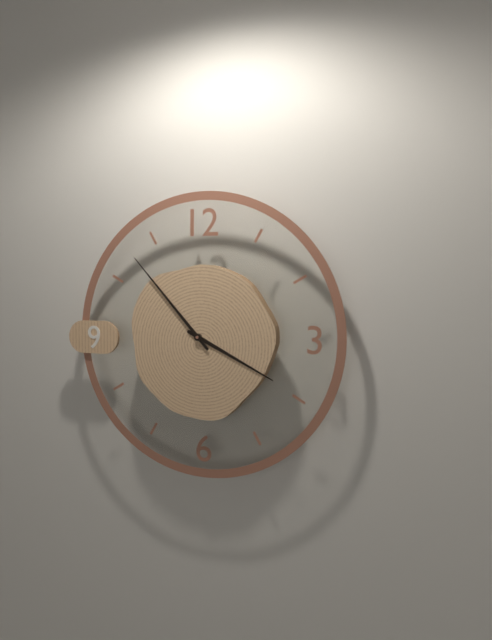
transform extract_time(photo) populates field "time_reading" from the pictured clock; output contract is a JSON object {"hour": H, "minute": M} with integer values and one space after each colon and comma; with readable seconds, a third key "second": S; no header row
{"hour": 3, "minute": 53}
